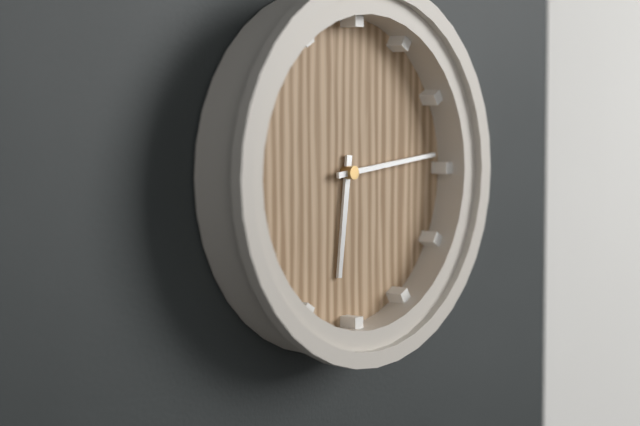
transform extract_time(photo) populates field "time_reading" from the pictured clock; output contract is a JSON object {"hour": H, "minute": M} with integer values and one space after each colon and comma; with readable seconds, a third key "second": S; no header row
{"hour": 6, "minute": 14}
